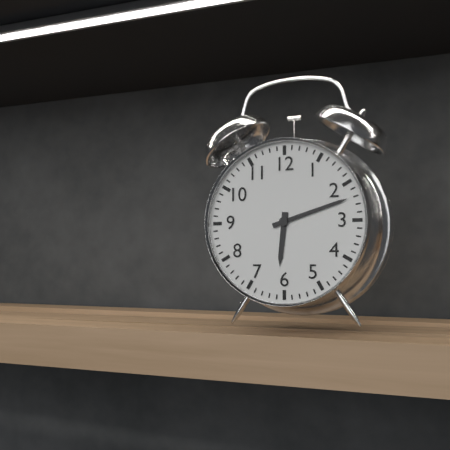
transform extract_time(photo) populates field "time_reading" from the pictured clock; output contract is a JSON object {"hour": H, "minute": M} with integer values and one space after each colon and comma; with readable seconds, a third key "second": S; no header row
{"hour": 6, "minute": 12}
